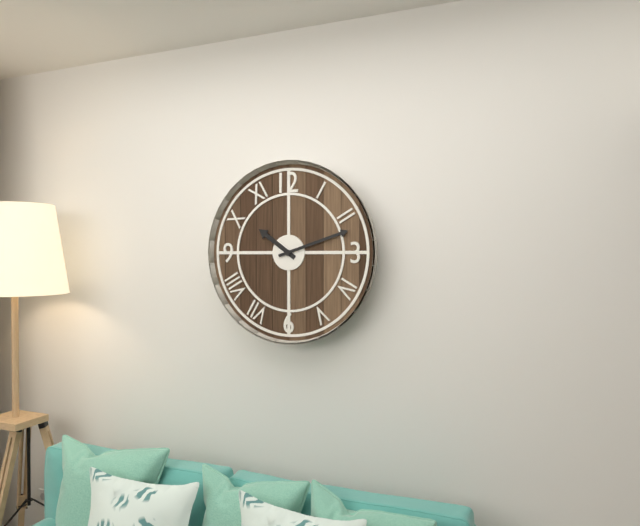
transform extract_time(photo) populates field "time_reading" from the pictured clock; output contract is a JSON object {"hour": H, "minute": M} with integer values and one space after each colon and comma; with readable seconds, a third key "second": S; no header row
{"hour": 10, "minute": 12}
